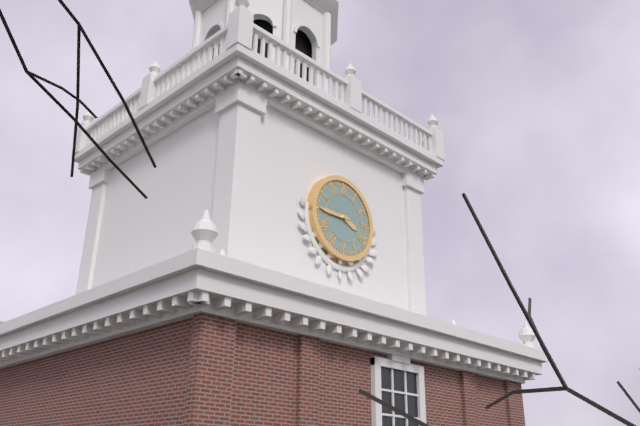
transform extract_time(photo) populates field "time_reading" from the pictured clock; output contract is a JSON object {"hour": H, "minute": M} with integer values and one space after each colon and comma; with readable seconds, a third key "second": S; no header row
{"hour": 3, "minute": 45}
